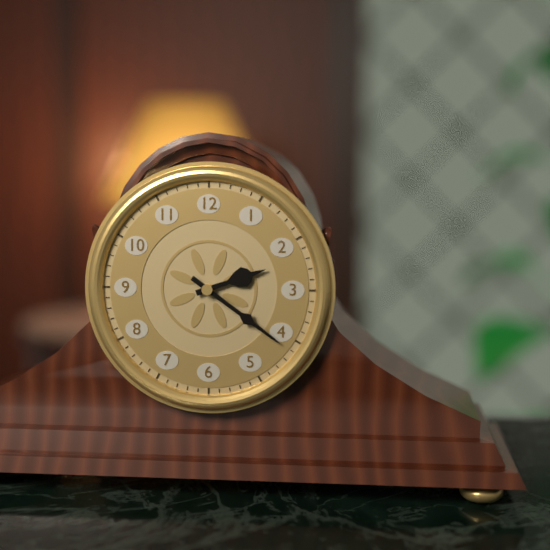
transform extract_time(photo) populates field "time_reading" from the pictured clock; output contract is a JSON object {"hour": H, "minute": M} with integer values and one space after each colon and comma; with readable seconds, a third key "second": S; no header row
{"hour": 2, "minute": 21}
